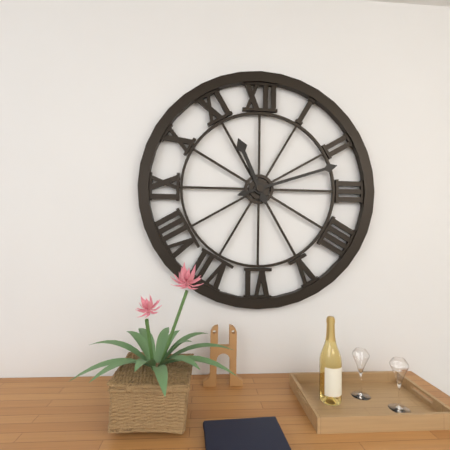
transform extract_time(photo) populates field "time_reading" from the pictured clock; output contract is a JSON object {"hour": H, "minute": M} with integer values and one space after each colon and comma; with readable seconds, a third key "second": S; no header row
{"hour": 11, "minute": 12}
